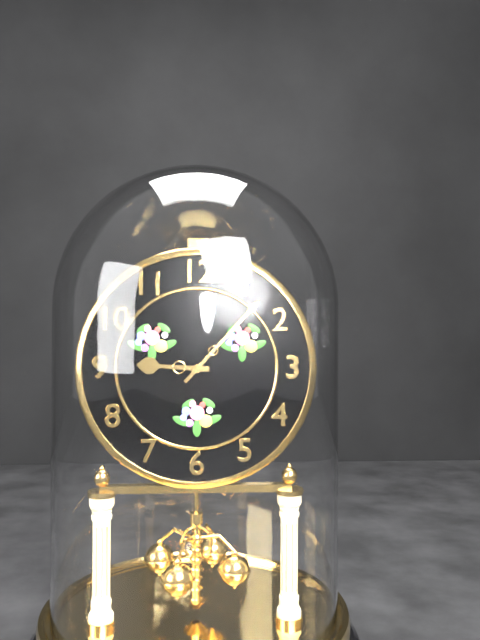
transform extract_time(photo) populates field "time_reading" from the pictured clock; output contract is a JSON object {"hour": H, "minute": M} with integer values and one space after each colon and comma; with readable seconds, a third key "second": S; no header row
{"hour": 9, "minute": 7}
